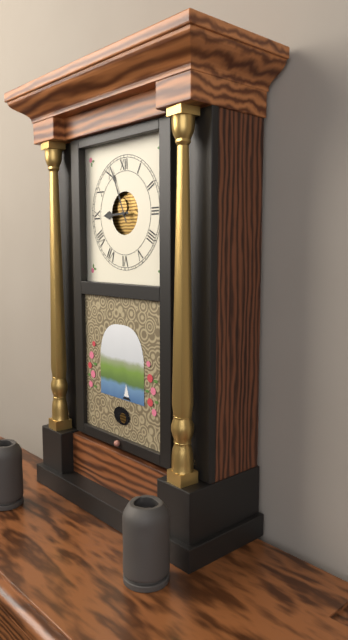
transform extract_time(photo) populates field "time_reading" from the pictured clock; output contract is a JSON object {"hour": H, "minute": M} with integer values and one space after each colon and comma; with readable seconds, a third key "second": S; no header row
{"hour": 8, "minute": 56}
